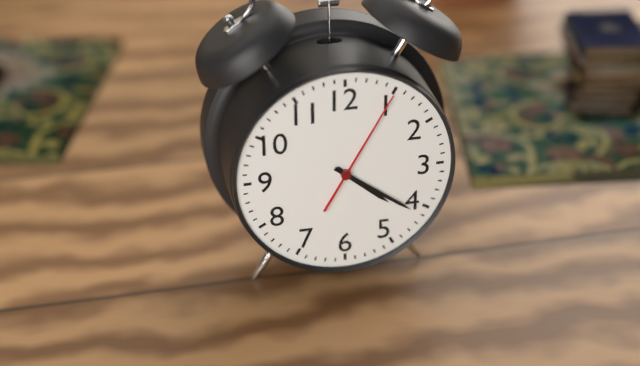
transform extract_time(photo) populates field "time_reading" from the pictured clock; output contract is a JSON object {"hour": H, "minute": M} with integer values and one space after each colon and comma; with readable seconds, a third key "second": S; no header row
{"hour": 4, "minute": 21, "second": 5}
